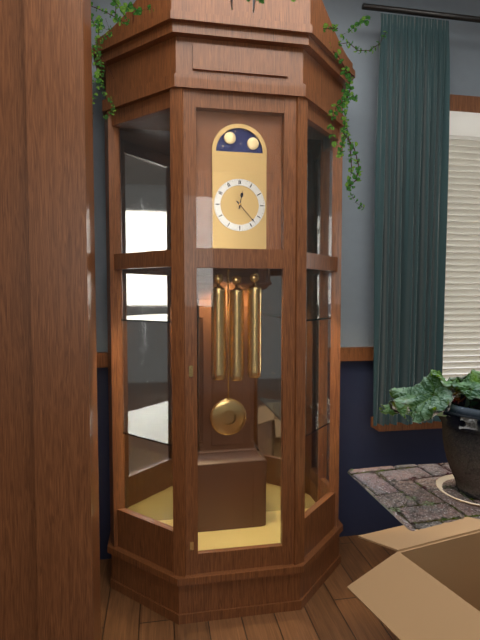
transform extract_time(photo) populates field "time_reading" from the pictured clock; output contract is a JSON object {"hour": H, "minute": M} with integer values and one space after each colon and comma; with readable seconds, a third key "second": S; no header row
{"hour": 12, "minute": 23}
